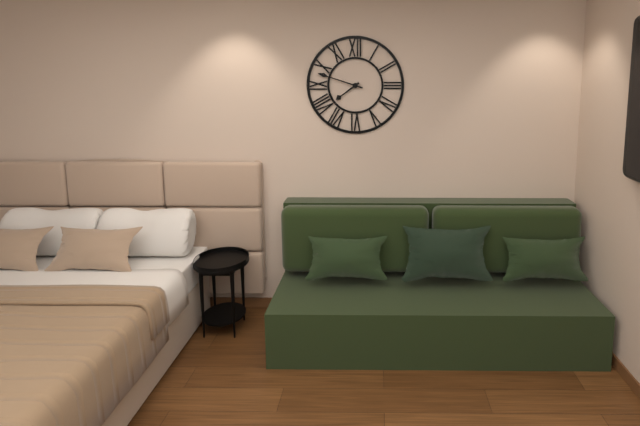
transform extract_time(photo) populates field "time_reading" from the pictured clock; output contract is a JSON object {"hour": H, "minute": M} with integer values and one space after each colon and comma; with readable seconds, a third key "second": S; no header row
{"hour": 7, "minute": 48}
